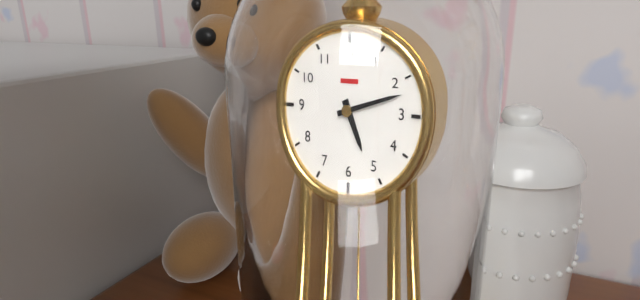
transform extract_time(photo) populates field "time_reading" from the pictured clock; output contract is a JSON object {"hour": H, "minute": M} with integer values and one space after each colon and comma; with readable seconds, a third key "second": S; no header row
{"hour": 5, "minute": 12}
